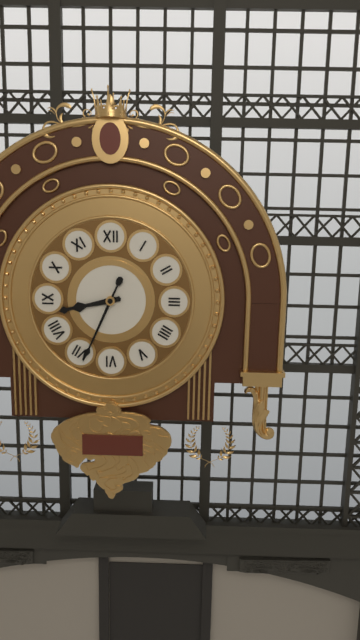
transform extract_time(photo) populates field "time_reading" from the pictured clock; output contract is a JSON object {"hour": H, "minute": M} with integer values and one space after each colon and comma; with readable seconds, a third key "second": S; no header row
{"hour": 8, "minute": 34}
